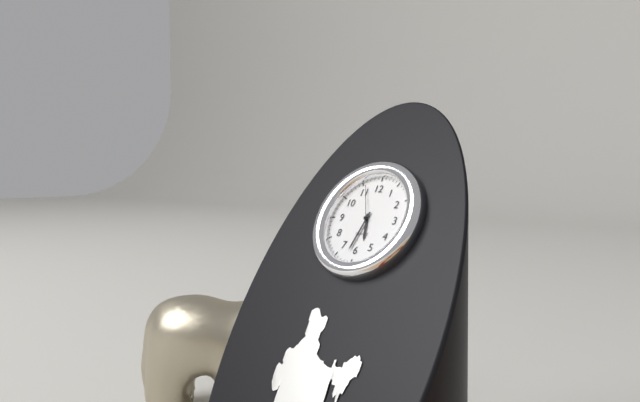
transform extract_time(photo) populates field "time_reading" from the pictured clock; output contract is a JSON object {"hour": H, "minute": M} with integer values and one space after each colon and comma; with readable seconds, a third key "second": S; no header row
{"hour": 5, "minute": 32}
